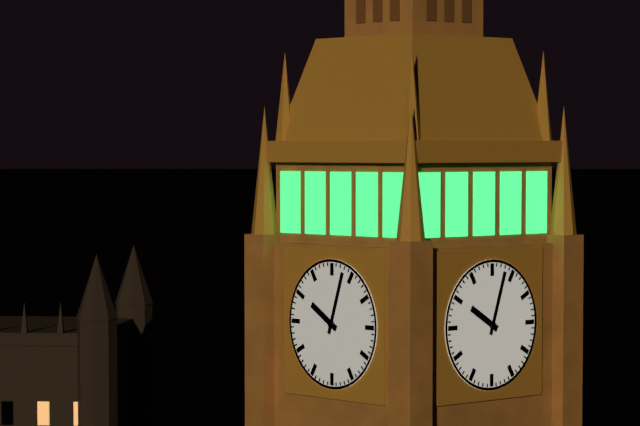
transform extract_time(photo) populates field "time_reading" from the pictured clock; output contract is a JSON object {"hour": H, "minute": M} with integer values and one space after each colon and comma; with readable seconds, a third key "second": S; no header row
{"hour": 10, "minute": 3}
